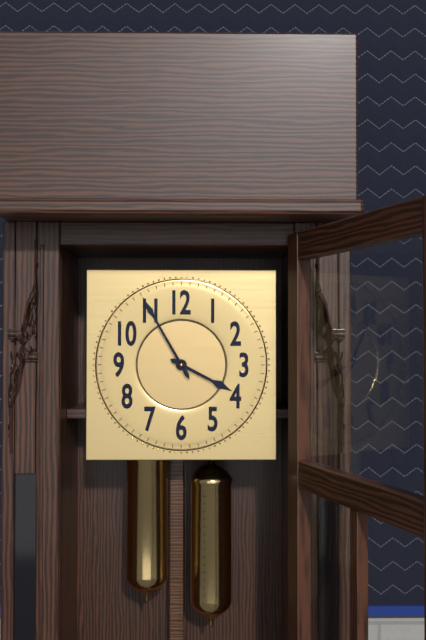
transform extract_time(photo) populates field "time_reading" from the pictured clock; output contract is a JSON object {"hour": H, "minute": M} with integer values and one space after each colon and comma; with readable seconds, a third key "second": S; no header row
{"hour": 3, "minute": 55}
